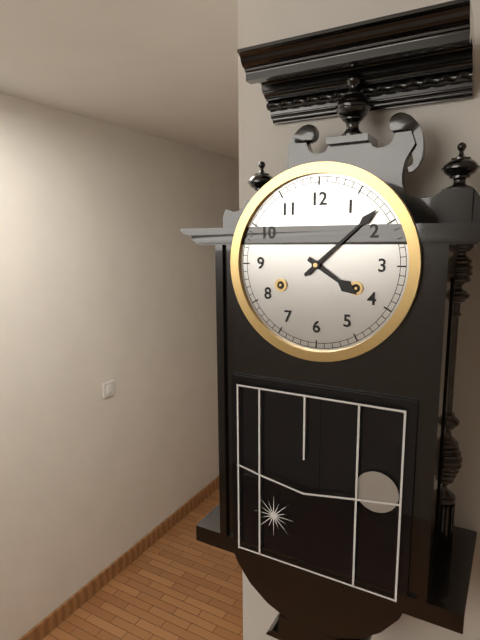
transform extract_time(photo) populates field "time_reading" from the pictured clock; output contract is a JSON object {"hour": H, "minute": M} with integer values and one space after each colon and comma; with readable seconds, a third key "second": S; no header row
{"hour": 4, "minute": 8}
